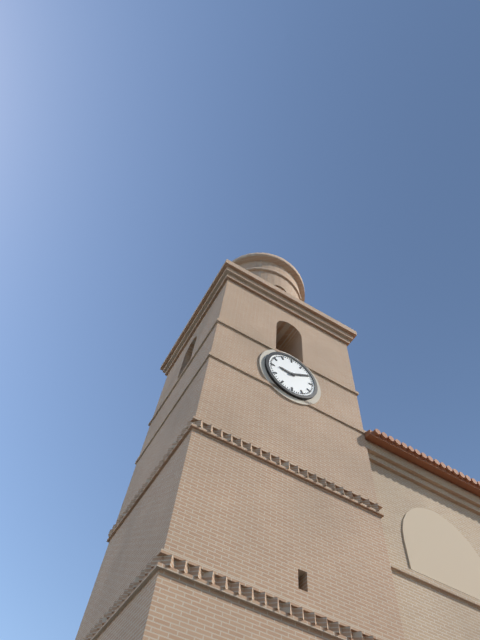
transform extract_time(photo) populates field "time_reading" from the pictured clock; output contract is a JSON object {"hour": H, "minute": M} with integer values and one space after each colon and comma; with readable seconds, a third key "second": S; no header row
{"hour": 9, "minute": 10}
